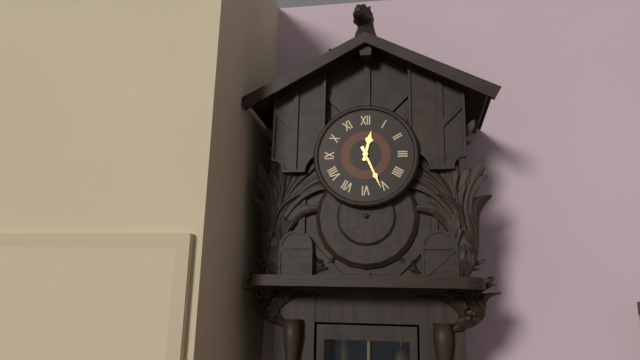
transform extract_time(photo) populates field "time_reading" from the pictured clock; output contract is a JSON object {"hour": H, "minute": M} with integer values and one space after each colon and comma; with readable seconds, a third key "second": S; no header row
{"hour": 12, "minute": 26}
